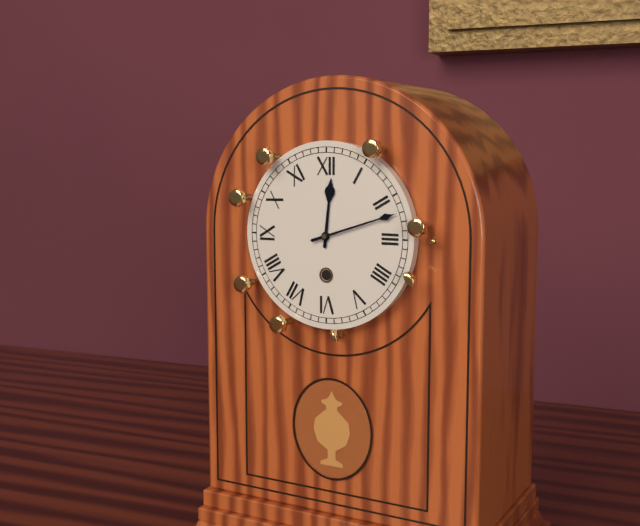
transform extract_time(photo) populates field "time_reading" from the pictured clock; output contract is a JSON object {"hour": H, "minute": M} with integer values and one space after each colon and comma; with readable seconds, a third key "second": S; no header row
{"hour": 12, "minute": 12}
